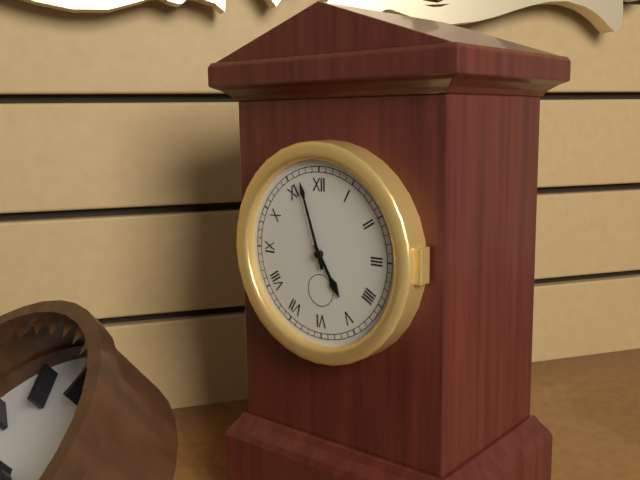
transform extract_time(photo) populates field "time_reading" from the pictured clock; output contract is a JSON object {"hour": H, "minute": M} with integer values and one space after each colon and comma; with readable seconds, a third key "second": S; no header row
{"hour": 4, "minute": 57}
